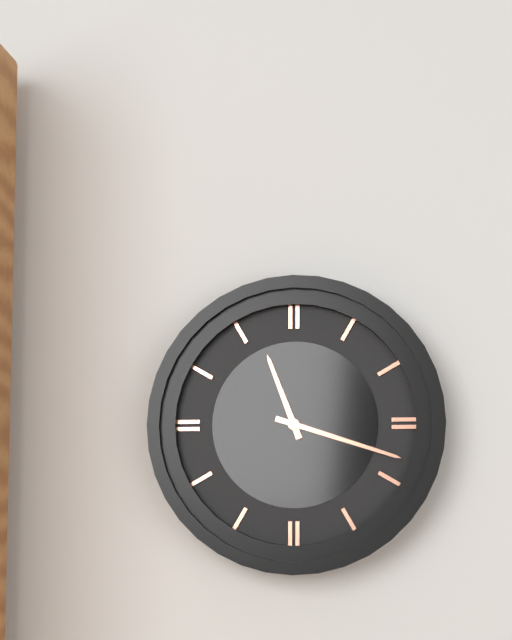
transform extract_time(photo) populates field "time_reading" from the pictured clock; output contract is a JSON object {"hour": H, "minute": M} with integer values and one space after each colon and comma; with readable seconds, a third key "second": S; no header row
{"hour": 11, "minute": 18}
